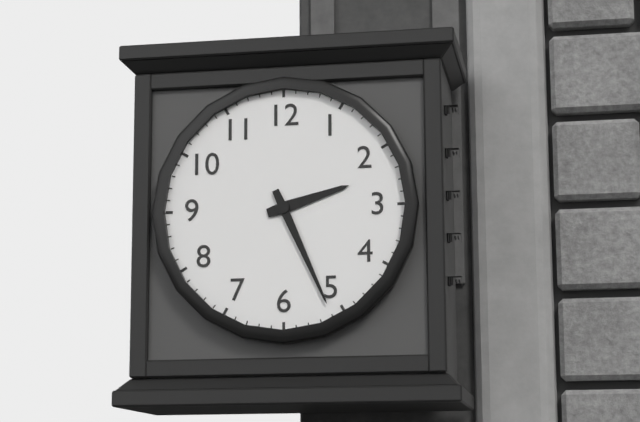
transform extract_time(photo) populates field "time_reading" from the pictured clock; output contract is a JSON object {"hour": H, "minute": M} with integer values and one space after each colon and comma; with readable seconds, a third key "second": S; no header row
{"hour": 2, "minute": 26}
